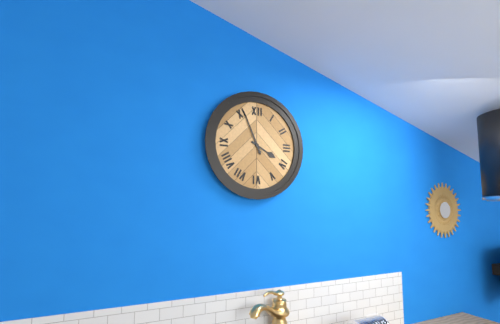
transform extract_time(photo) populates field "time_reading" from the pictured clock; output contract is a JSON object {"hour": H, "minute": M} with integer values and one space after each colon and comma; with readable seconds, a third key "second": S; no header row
{"hour": 3, "minute": 56}
